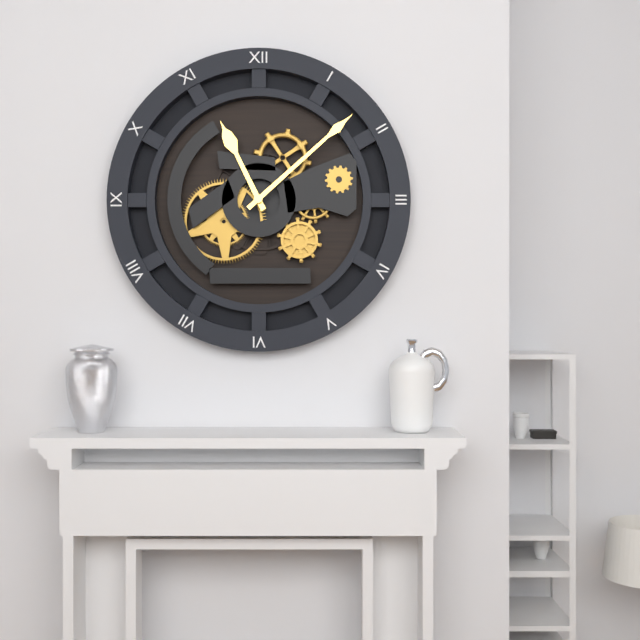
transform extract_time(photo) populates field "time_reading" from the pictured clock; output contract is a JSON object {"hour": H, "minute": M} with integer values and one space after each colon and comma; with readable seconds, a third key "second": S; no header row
{"hour": 11, "minute": 8}
